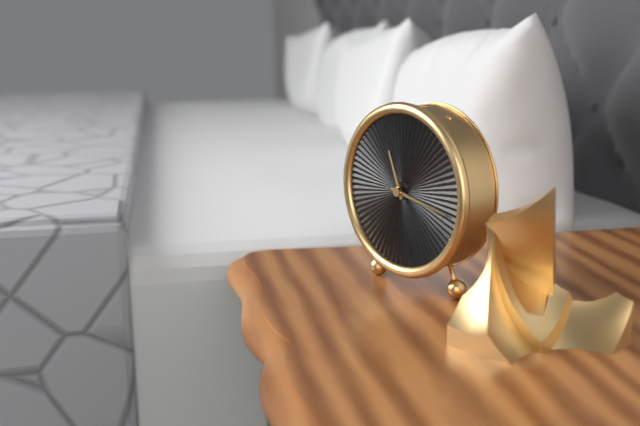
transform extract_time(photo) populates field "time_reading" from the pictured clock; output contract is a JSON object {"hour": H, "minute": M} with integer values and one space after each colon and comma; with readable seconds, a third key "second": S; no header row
{"hour": 11, "minute": 17}
